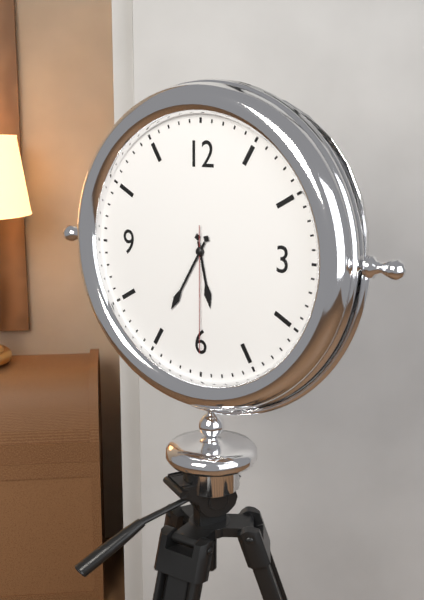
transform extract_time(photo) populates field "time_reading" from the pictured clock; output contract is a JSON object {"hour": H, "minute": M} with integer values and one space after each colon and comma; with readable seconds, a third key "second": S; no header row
{"hour": 5, "minute": 35, "second": 30}
